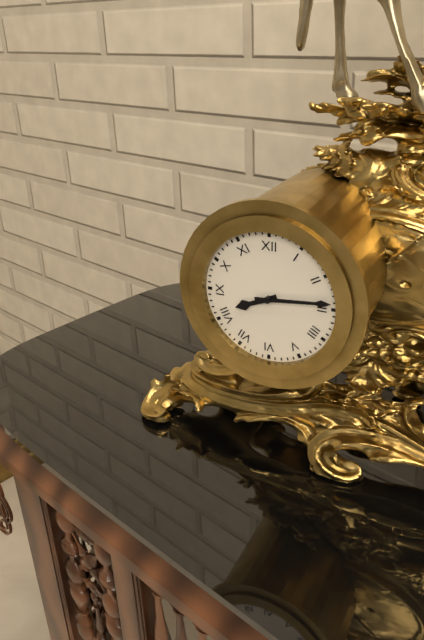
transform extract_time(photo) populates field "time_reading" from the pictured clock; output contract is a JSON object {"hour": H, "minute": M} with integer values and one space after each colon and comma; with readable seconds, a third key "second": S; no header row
{"hour": 8, "minute": 14}
